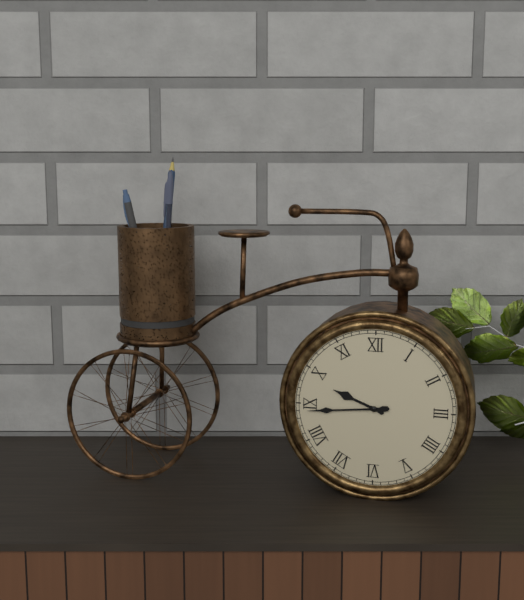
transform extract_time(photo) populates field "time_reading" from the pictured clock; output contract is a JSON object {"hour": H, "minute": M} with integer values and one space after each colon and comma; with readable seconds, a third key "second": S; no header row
{"hour": 9, "minute": 44}
